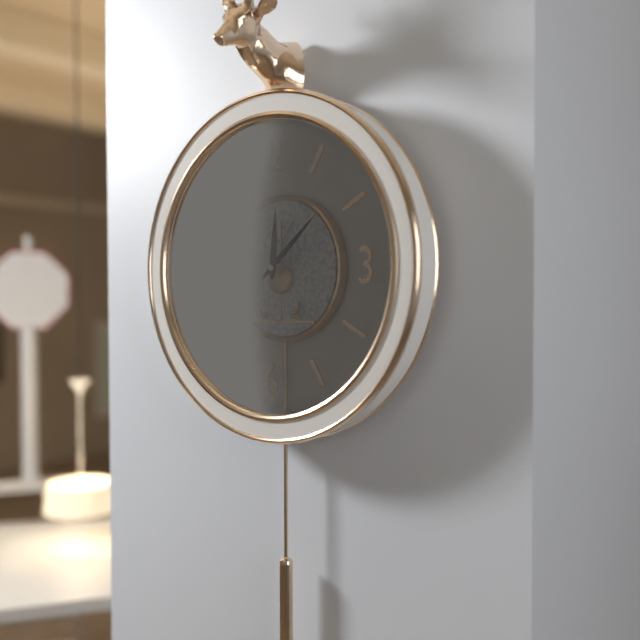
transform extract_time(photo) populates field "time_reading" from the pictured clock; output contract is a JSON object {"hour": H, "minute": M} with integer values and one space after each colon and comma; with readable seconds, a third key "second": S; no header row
{"hour": 12, "minute": 8}
